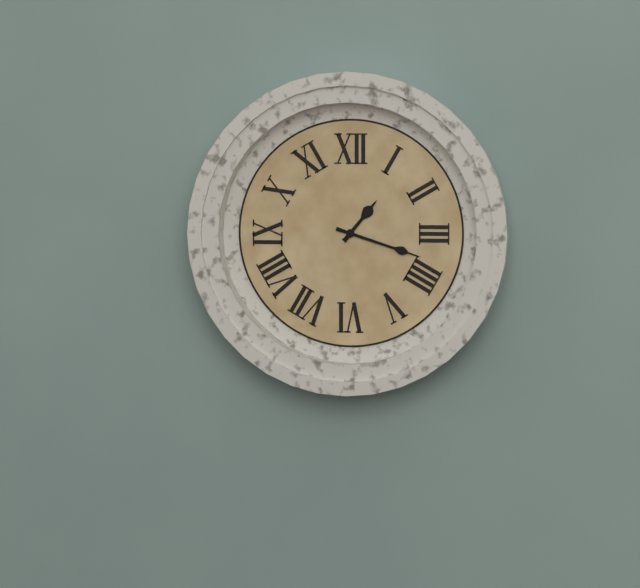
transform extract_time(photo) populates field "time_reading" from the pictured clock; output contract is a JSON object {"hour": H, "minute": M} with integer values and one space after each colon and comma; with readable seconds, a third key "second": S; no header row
{"hour": 1, "minute": 18}
